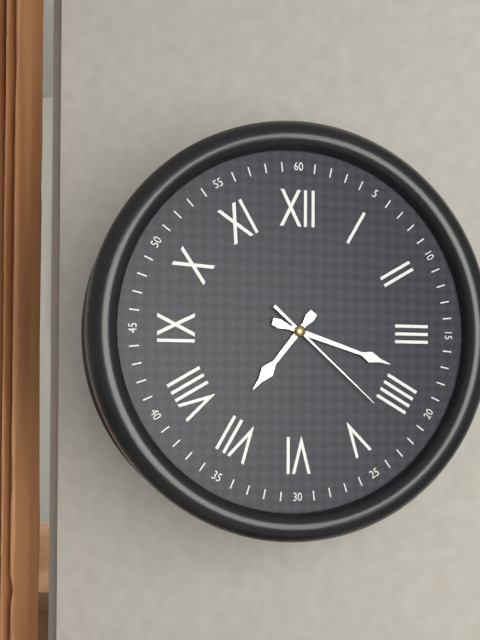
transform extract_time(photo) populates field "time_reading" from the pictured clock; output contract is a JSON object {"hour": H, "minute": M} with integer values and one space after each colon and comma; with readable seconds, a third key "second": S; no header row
{"hour": 7, "minute": 18, "second": 22}
